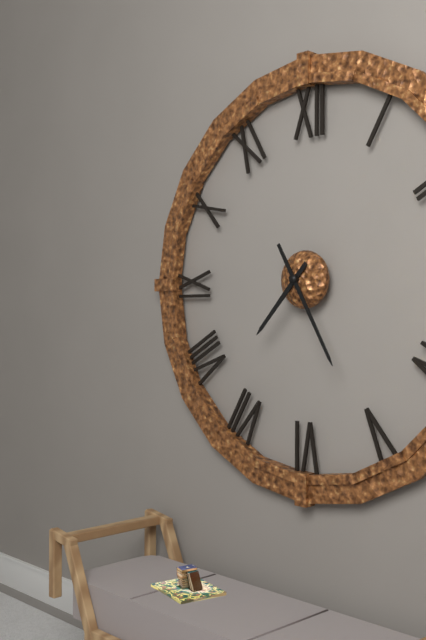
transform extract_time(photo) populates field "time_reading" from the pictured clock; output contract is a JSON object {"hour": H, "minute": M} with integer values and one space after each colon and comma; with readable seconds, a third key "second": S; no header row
{"hour": 7, "minute": 25}
